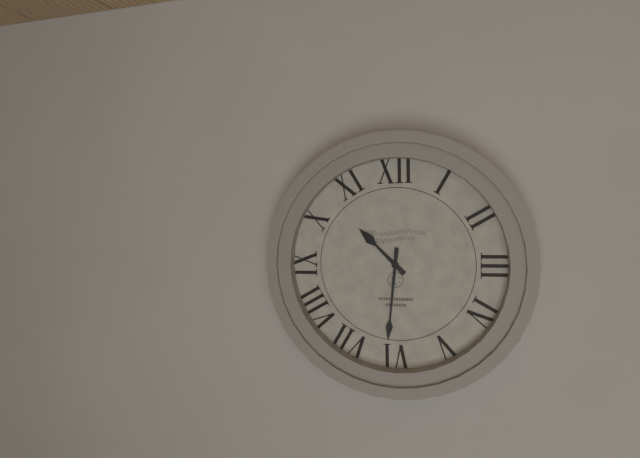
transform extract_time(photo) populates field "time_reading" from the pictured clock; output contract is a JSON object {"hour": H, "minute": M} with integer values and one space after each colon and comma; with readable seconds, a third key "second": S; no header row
{"hour": 10, "minute": 31}
